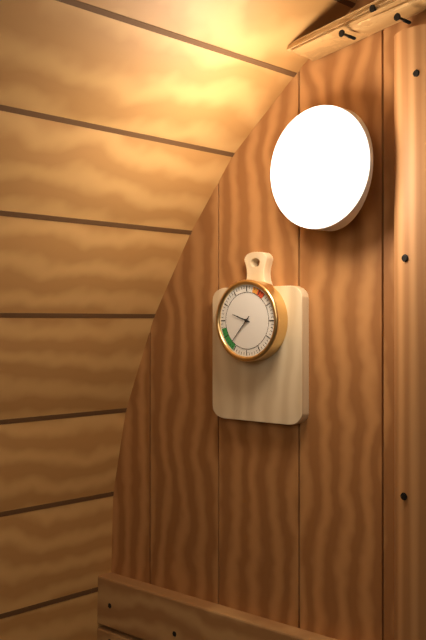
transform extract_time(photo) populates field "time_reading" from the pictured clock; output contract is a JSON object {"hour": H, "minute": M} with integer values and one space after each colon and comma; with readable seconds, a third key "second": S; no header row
{"hour": 9, "minute": 37}
